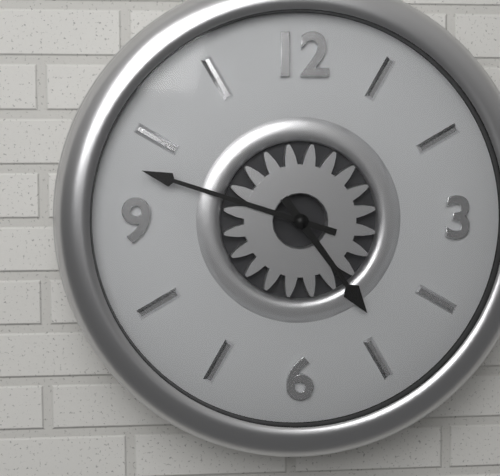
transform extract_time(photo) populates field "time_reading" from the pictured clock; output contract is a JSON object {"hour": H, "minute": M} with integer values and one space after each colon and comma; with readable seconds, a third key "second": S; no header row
{"hour": 4, "minute": 48}
